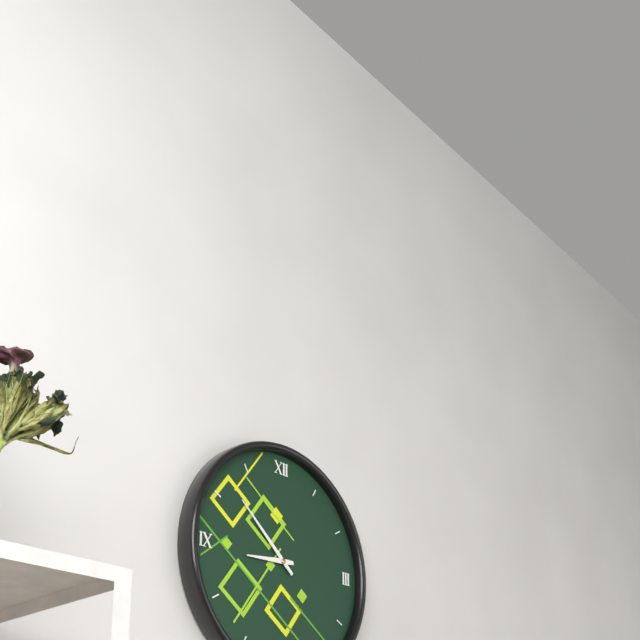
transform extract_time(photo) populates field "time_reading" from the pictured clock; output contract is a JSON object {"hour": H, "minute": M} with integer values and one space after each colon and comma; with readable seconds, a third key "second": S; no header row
{"hour": 8, "minute": 52}
